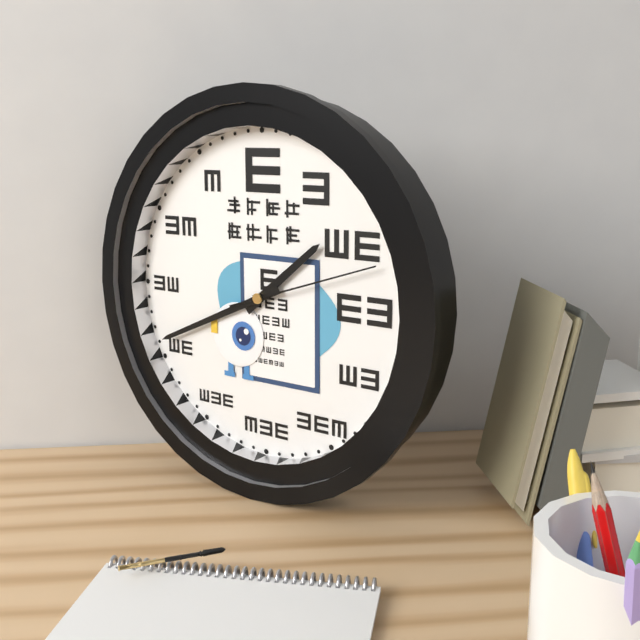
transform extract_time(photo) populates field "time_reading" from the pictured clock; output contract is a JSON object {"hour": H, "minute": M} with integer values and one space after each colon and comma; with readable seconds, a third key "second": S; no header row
{"hour": 1, "minute": 41, "second": 12}
